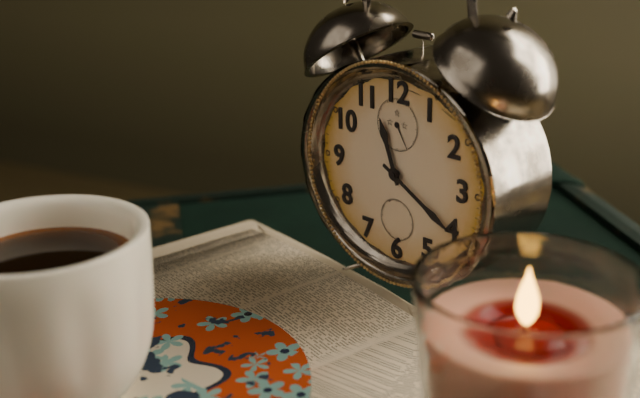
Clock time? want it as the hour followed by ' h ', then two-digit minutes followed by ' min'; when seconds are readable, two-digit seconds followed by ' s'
11 h 20 min
